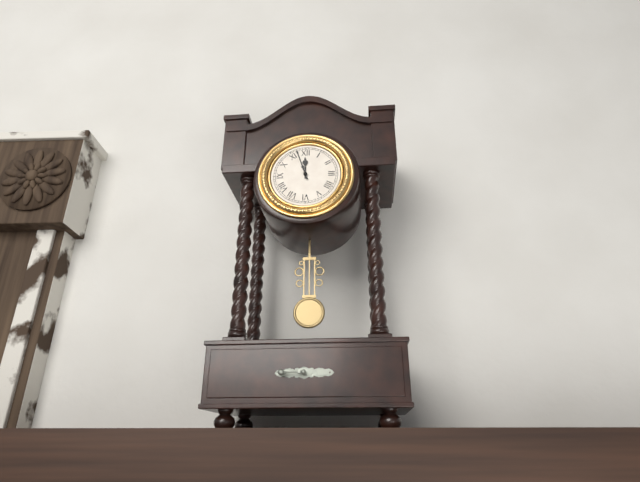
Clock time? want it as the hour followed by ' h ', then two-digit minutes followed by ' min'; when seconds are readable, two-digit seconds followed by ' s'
11 h 57 min
